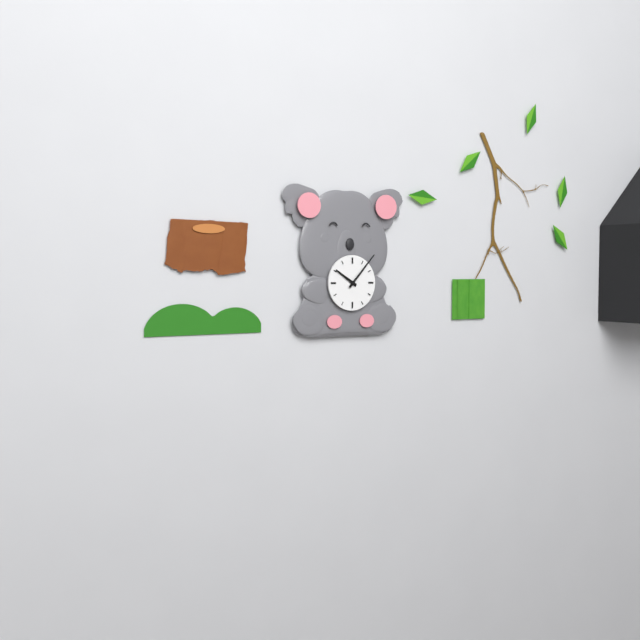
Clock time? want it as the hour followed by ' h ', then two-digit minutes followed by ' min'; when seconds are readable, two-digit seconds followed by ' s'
10 h 07 min
